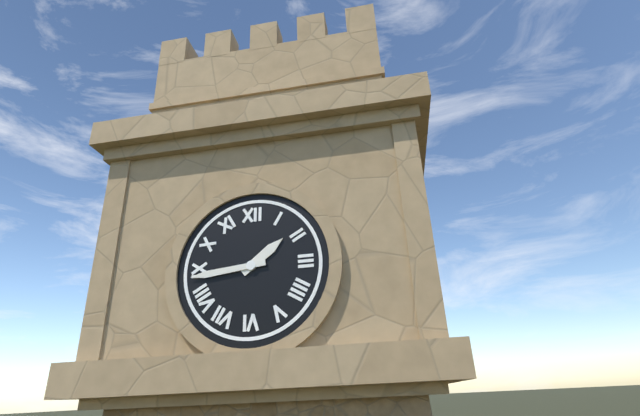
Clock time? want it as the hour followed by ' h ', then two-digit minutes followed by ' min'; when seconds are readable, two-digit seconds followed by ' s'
1 h 44 min
